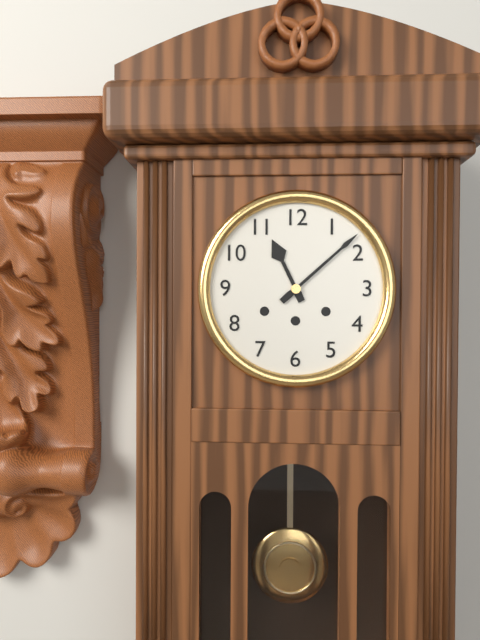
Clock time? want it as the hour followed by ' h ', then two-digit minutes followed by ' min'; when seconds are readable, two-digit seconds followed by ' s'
11 h 08 min
